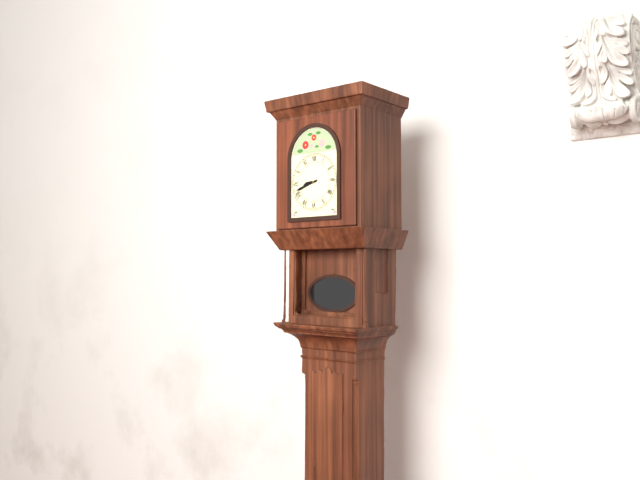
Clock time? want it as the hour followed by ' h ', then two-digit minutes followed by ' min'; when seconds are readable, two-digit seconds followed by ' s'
8 h 42 min
